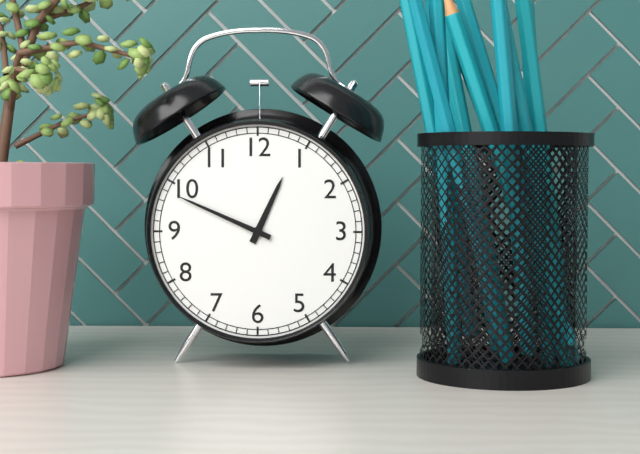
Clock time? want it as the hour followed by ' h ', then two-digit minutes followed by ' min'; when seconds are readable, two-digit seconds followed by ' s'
12 h 49 min
